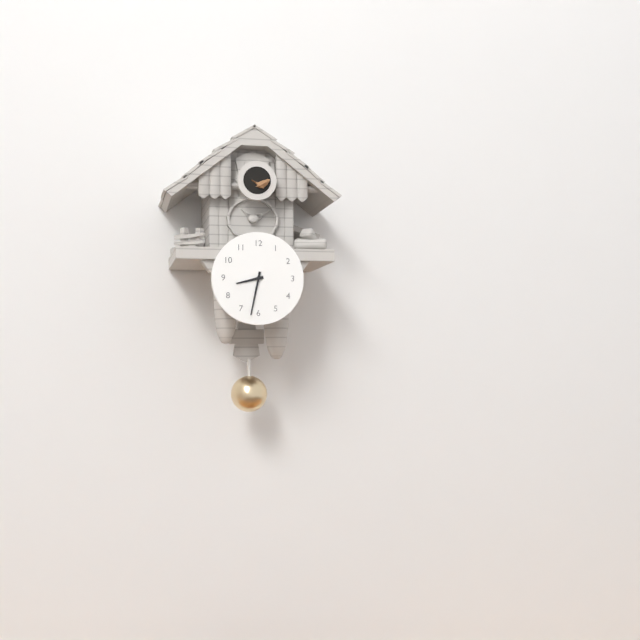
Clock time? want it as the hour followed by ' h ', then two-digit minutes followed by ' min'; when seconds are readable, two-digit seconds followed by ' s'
8 h 32 min
